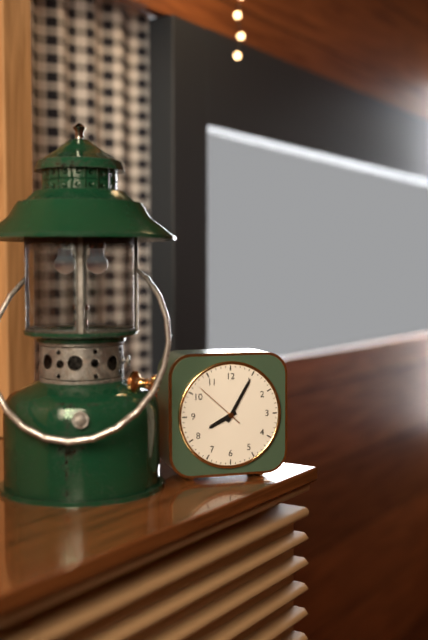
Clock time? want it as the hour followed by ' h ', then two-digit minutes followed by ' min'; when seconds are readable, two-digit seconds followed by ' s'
8 h 05 min
